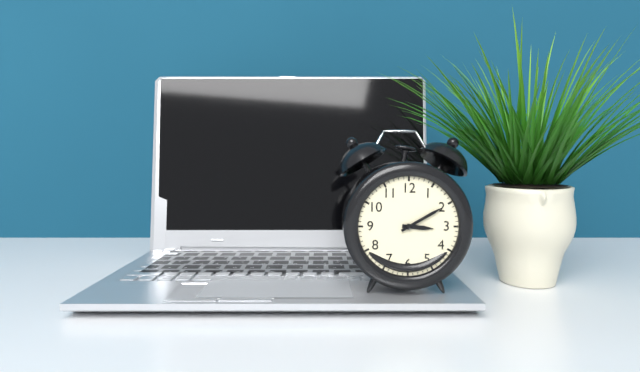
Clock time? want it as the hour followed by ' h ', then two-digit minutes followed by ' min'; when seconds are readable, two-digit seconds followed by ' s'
3 h 10 min
